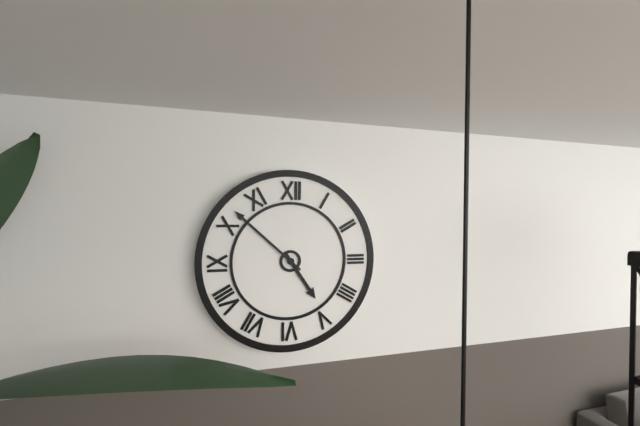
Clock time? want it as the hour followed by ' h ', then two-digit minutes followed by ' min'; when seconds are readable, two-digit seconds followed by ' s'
4 h 52 min
